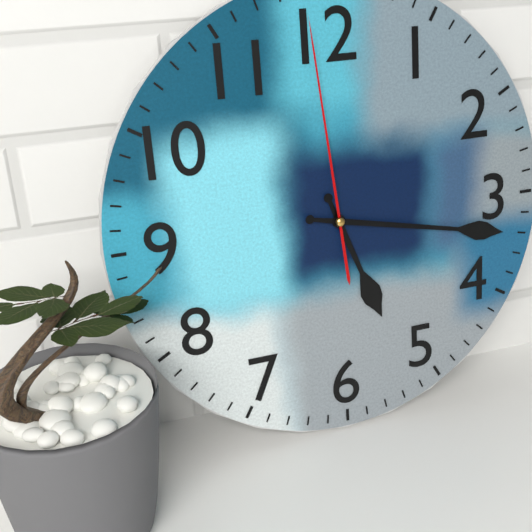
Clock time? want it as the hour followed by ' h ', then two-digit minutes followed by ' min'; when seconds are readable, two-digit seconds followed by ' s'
5 h 17 min 59 s
